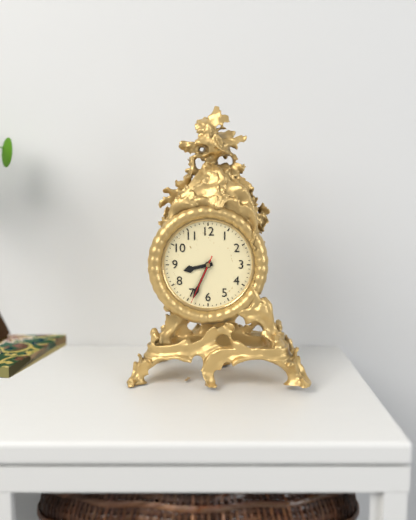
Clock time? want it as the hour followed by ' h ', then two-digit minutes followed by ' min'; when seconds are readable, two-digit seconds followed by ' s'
8 h 34 min 34 s
